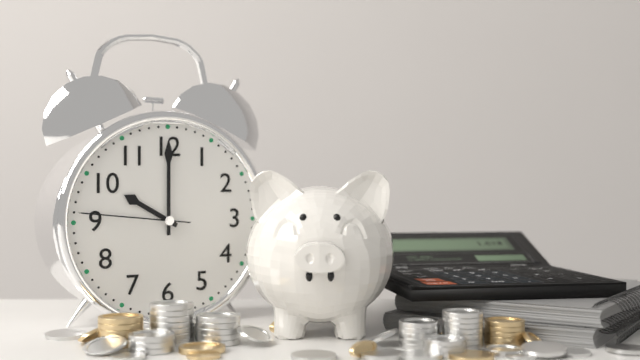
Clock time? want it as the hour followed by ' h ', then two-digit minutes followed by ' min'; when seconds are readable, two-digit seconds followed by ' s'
10 h 00 min 46 s
